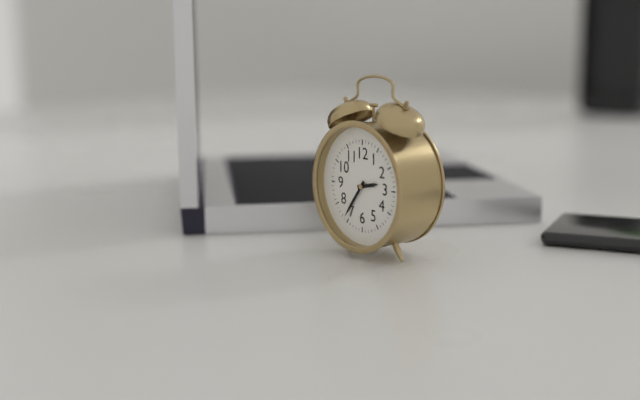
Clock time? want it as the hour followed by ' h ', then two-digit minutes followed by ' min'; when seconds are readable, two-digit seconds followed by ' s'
2 h 36 min
